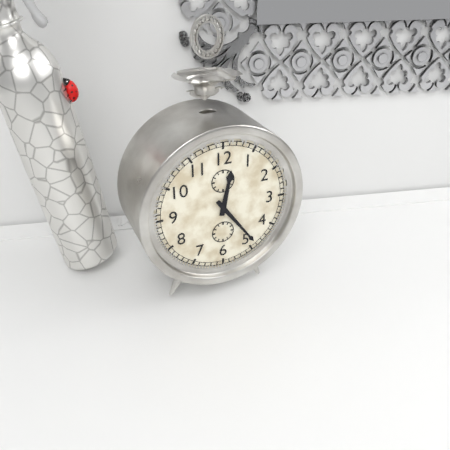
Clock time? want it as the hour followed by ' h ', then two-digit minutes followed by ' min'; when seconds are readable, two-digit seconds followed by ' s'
12 h 24 min
